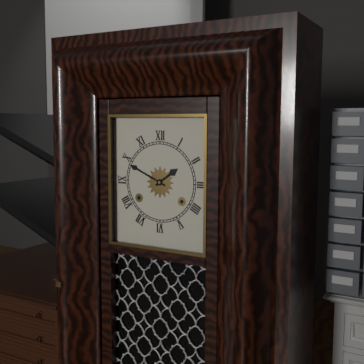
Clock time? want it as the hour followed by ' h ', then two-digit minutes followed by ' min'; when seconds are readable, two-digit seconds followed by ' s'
1 h 49 min
